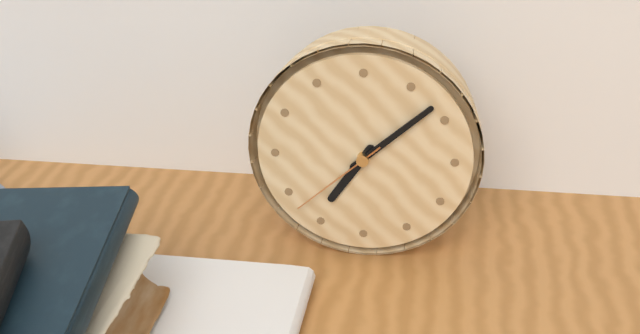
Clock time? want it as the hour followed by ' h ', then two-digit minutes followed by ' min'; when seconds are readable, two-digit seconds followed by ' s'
7 h 08 min 38 s
